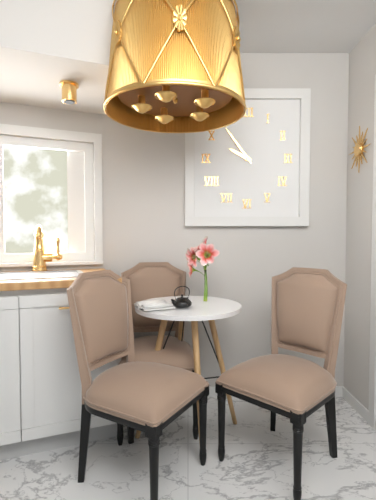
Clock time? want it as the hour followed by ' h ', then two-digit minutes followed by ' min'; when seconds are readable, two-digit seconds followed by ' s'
9 h 54 min
